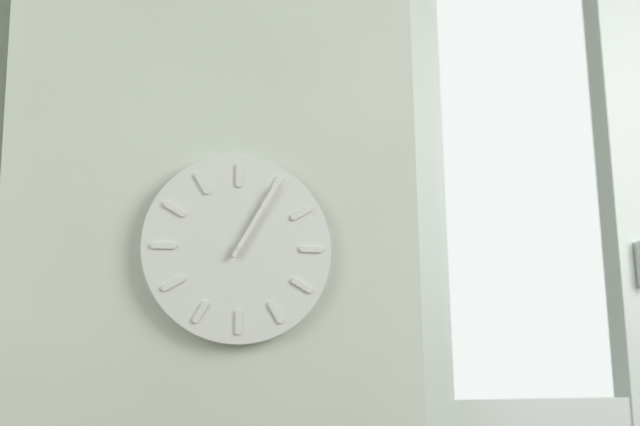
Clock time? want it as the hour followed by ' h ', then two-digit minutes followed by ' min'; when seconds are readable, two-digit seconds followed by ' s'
1 h 05 min
